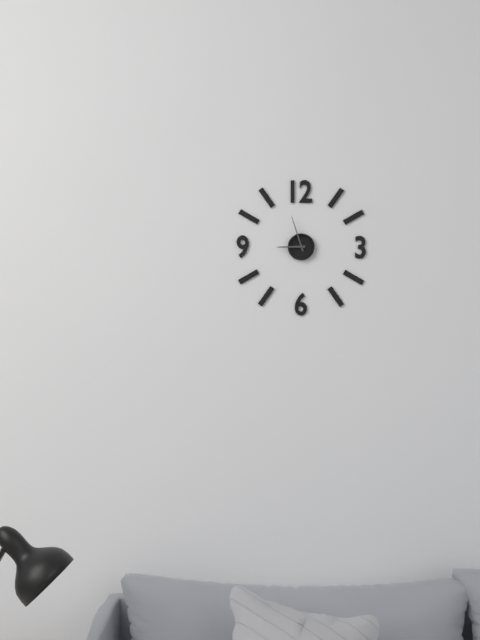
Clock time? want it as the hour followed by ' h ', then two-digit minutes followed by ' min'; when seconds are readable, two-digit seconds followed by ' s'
8 h 57 min
